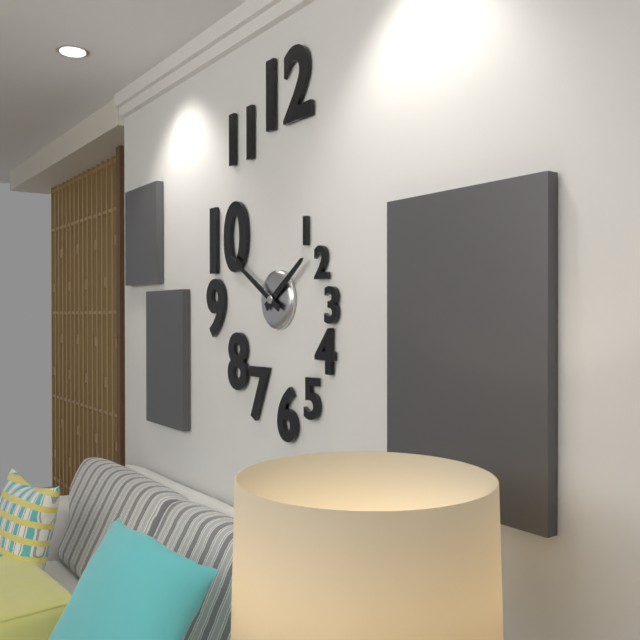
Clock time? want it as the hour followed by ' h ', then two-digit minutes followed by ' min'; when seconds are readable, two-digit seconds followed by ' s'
1 h 50 min
